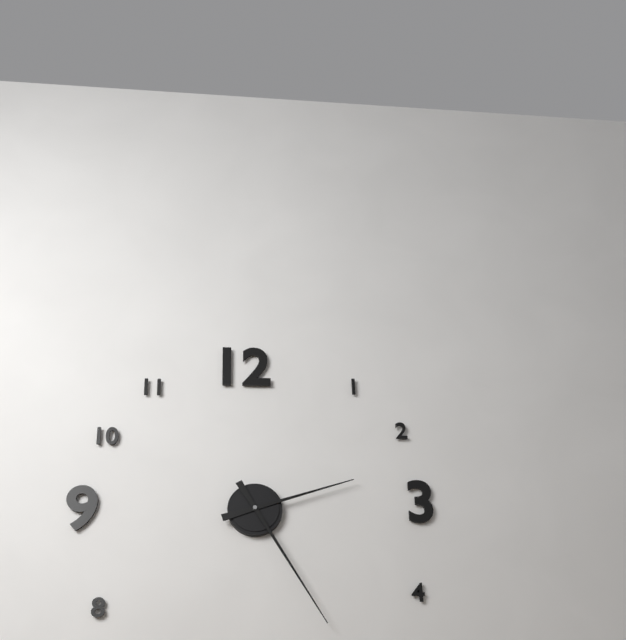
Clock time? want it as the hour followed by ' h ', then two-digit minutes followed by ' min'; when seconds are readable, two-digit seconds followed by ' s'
2 h 25 min
